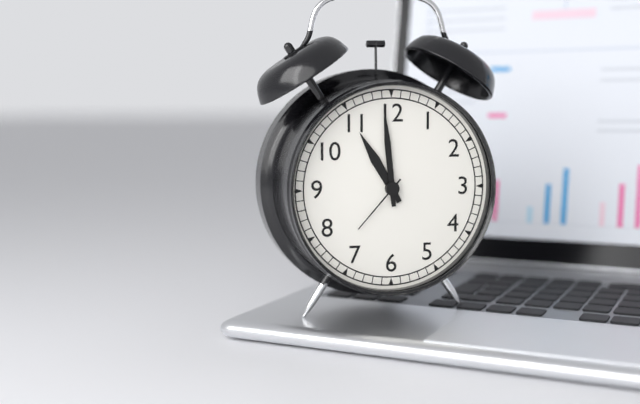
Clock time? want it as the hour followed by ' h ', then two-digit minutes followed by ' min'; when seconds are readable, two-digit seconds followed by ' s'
10 h 59 min 37 s
